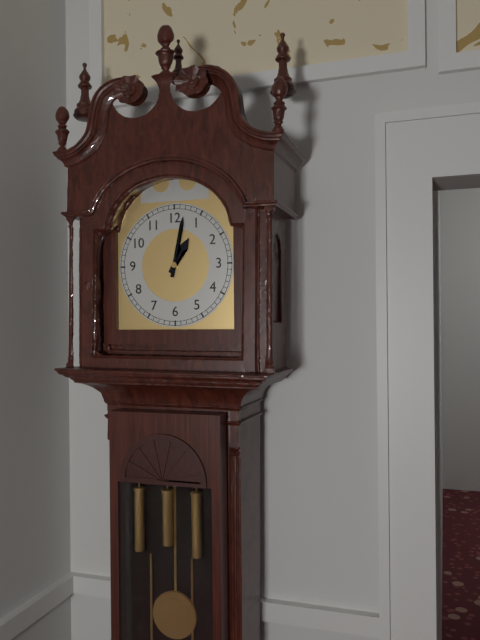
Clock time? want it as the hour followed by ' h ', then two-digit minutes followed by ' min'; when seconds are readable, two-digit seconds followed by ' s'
1 h 02 min
